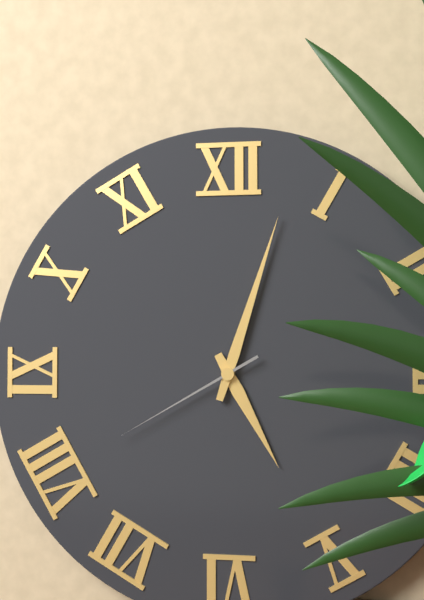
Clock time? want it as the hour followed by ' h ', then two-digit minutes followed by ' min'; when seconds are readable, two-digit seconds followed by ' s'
5 h 03 min 40 s
